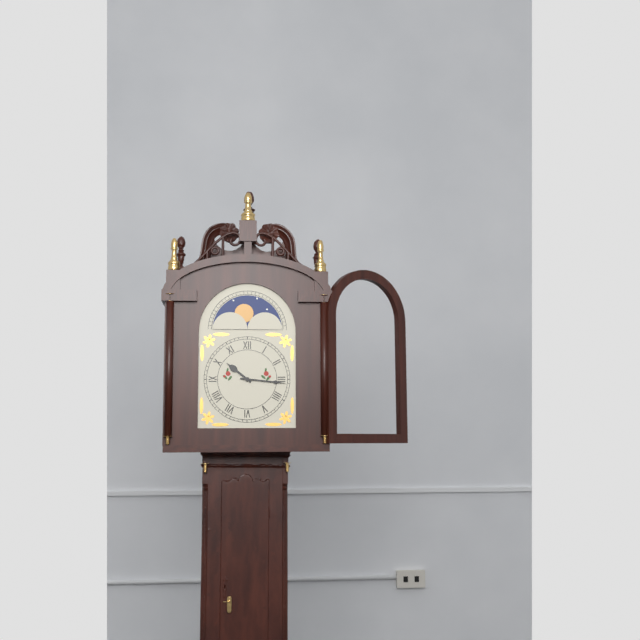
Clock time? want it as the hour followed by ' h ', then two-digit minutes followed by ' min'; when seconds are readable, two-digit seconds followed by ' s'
10 h 16 min
